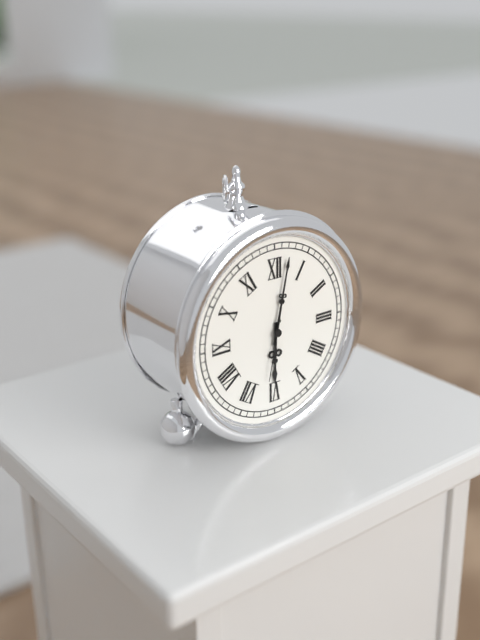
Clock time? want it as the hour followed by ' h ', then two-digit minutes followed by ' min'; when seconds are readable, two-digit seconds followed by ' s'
6 h 02 min 32 s
